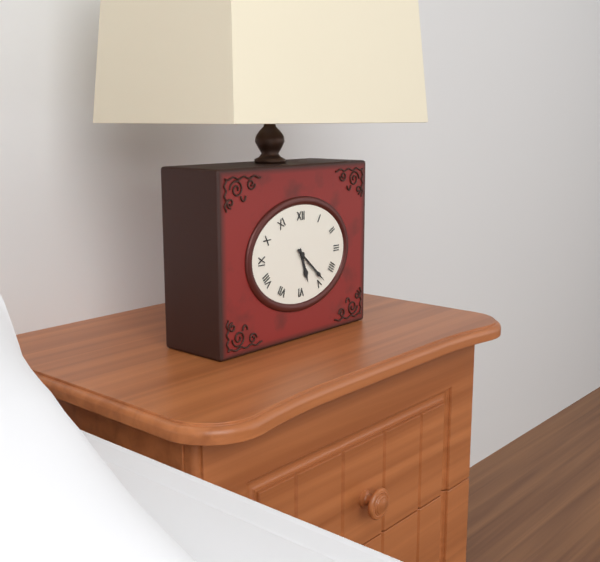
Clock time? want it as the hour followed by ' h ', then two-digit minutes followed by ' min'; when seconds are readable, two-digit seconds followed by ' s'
5 h 22 min
